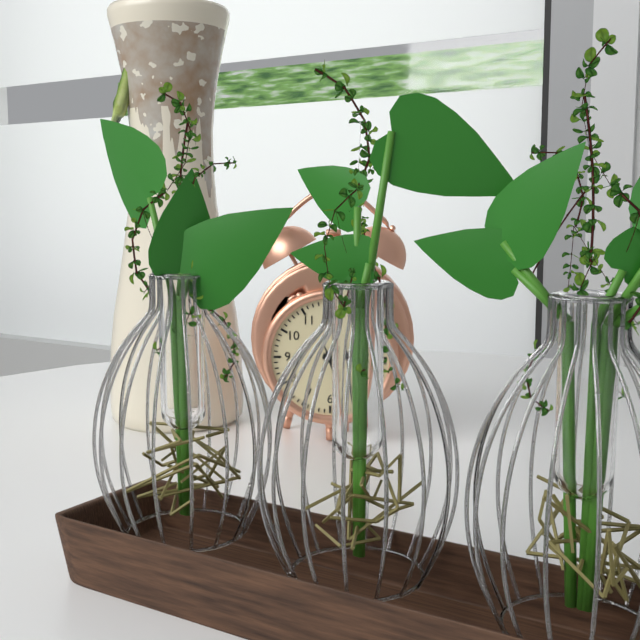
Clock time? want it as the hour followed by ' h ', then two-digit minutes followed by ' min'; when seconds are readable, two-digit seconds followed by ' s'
3 h 27 min 26 s
